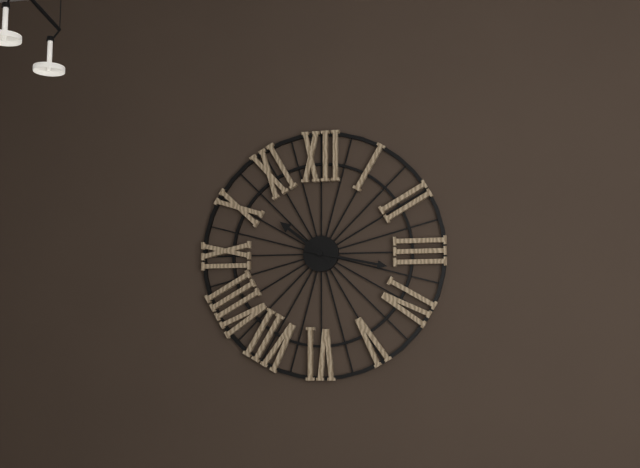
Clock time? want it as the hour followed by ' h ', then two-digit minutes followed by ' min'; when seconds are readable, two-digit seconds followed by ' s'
10 h 17 min
